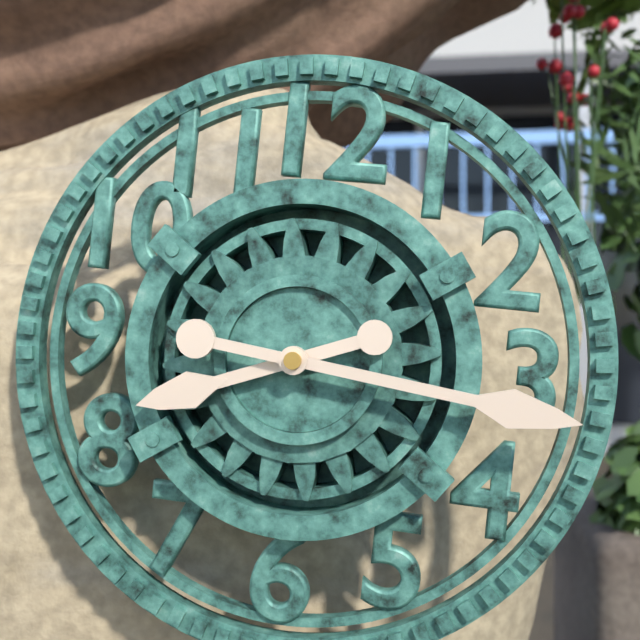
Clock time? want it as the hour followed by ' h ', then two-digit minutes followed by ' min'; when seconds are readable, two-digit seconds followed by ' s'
8 h 16 min
